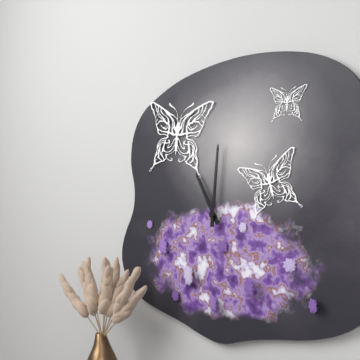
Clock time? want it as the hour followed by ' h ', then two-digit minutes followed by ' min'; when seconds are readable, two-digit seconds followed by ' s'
11 h 01 min
